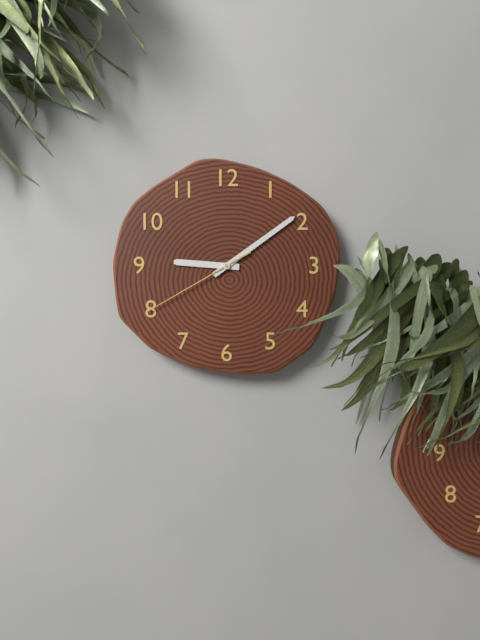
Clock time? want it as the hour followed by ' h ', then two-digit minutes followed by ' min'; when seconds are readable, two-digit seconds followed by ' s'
9 h 09 min 40 s
